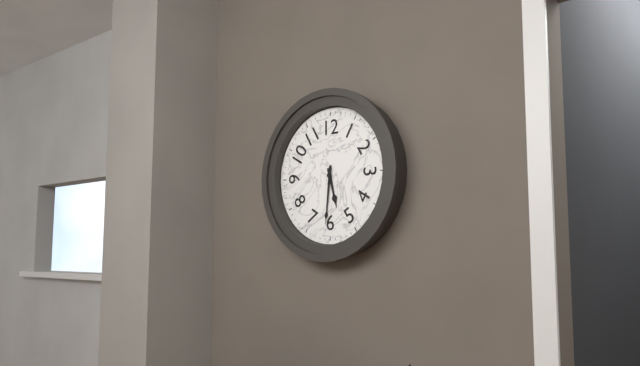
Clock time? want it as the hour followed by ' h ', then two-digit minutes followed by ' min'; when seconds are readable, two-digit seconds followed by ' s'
5 h 31 min
